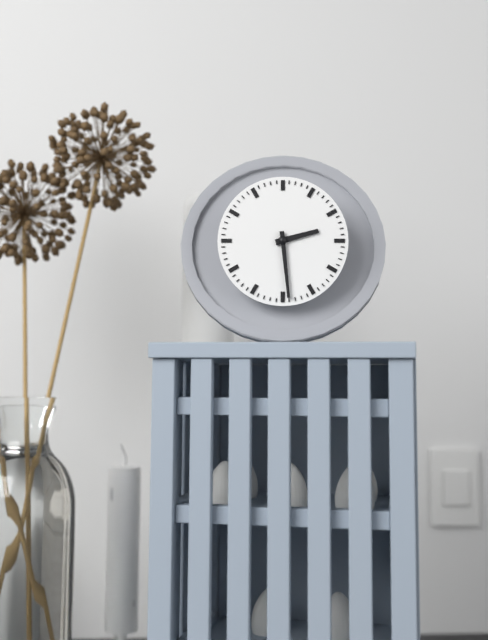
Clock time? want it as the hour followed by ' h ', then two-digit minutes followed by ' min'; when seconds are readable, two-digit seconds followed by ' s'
2 h 29 min
